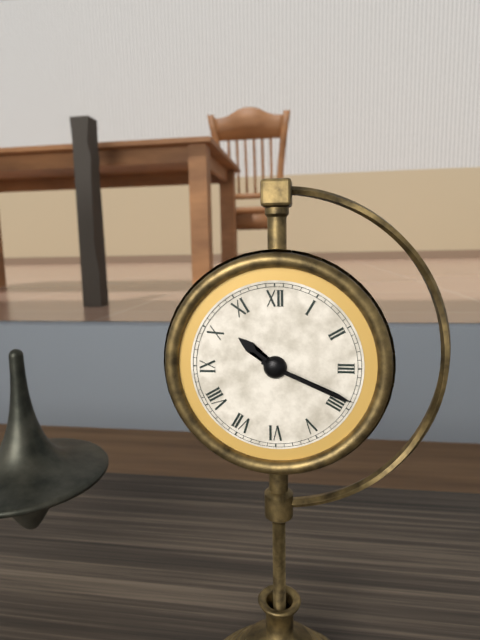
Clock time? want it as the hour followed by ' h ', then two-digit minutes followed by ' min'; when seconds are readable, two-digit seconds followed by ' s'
10 h 19 min
